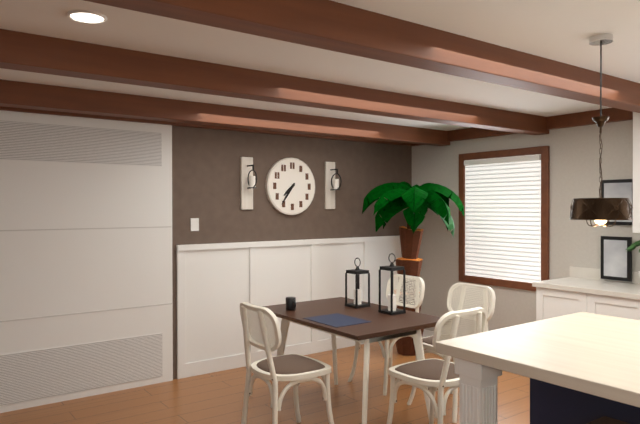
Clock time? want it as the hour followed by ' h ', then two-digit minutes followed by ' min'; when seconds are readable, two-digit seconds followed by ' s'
7 h 36 min
